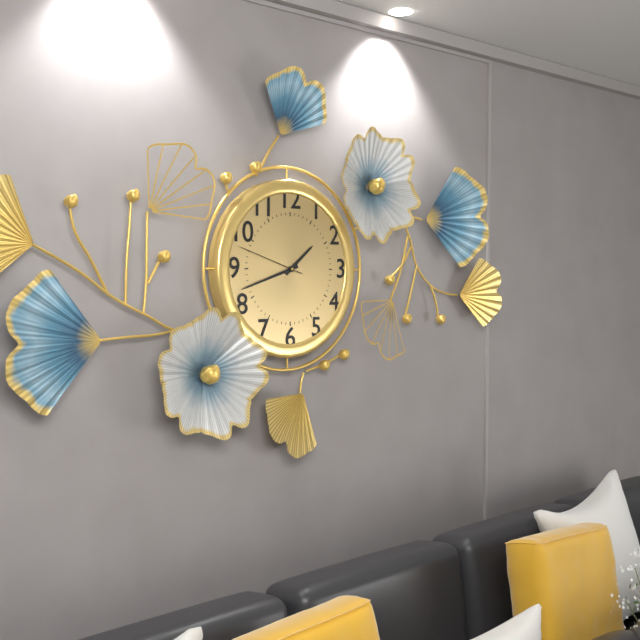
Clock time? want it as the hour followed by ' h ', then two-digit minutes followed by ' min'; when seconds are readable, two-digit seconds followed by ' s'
1 h 42 min 48 s
